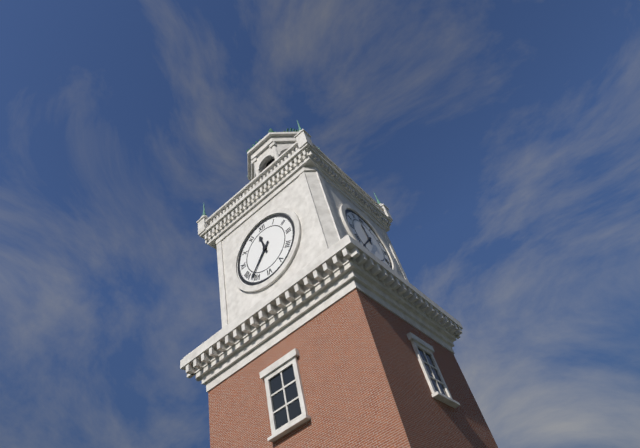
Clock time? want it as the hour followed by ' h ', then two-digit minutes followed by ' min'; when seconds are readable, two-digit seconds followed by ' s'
11 h 37 min
